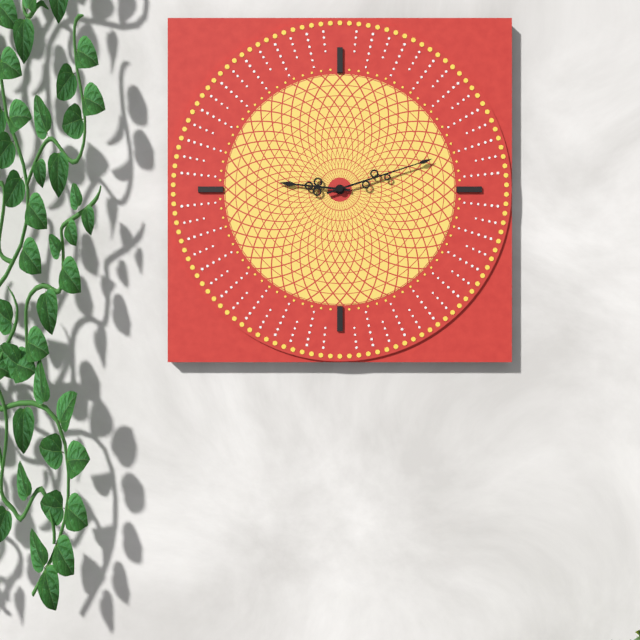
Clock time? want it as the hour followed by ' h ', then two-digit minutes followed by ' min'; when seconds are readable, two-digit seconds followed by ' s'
9 h 12 min
